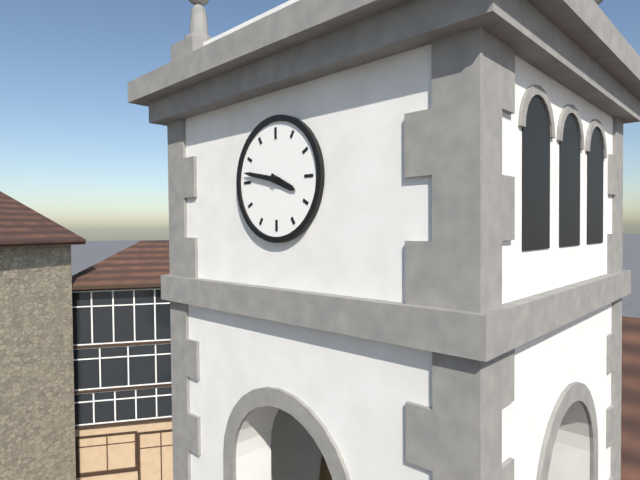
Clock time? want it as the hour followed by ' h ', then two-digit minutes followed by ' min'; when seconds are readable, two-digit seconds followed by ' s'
3 h 47 min
